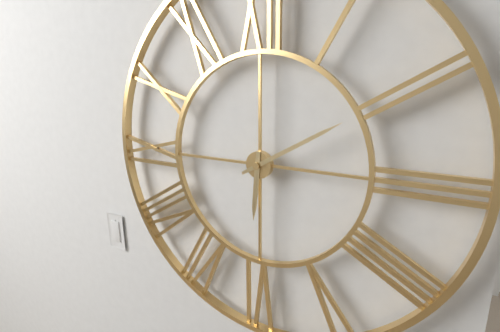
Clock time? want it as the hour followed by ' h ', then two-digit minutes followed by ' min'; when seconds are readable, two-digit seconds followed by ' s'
6 h 10 min
